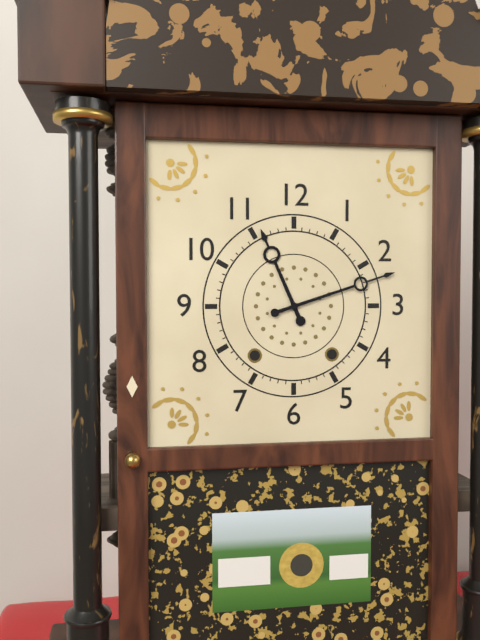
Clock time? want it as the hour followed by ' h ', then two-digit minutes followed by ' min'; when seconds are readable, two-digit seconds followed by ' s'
11 h 12 min
